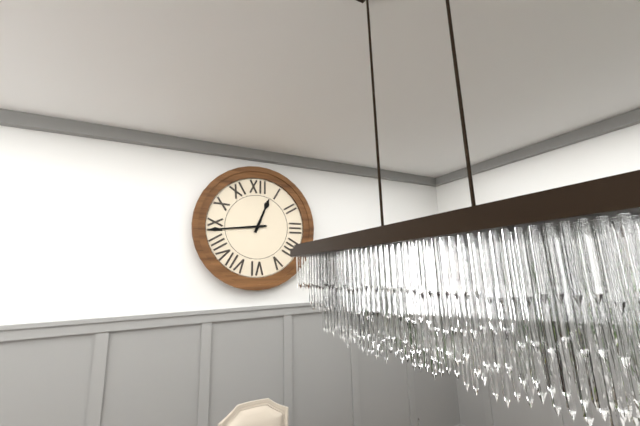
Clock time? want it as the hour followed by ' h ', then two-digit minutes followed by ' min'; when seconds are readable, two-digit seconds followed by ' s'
12 h 44 min
